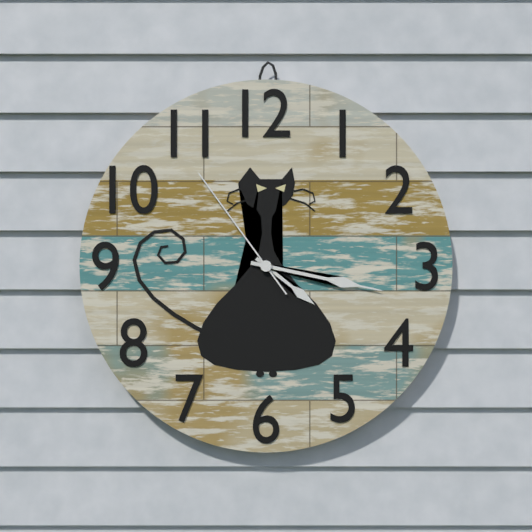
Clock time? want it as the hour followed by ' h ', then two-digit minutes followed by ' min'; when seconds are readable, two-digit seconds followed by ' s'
4 h 17 min 54 s
